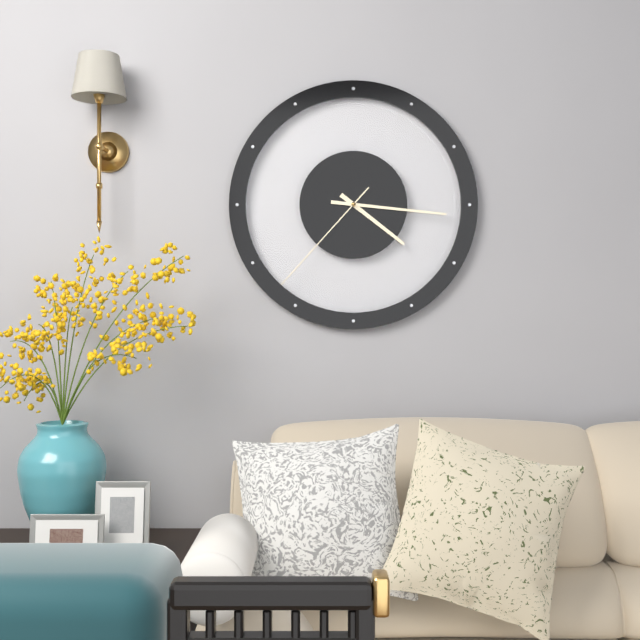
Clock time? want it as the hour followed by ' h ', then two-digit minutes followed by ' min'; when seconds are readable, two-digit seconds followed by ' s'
4 h 16 min 37 s
